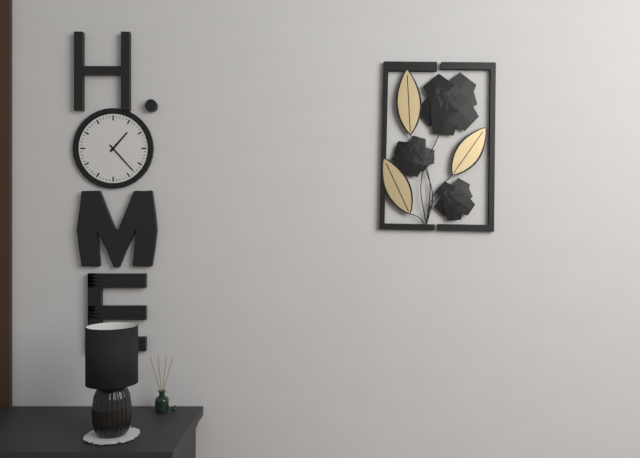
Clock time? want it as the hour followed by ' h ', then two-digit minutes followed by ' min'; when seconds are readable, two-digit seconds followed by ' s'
1 h 23 min
